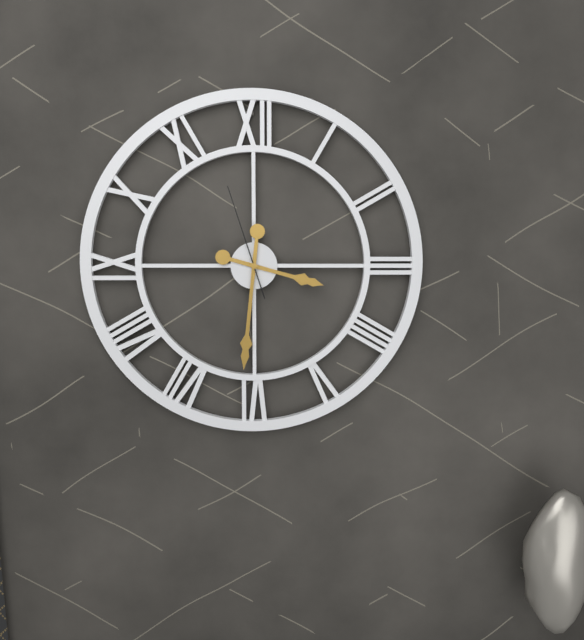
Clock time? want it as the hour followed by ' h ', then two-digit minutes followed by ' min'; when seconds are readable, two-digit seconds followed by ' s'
3 h 31 min 57 s
